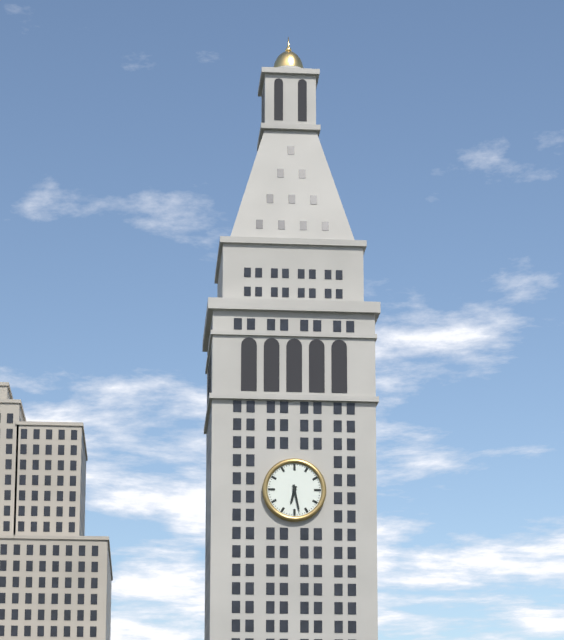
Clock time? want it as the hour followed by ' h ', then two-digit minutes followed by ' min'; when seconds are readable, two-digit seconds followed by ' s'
6 h 28 min
